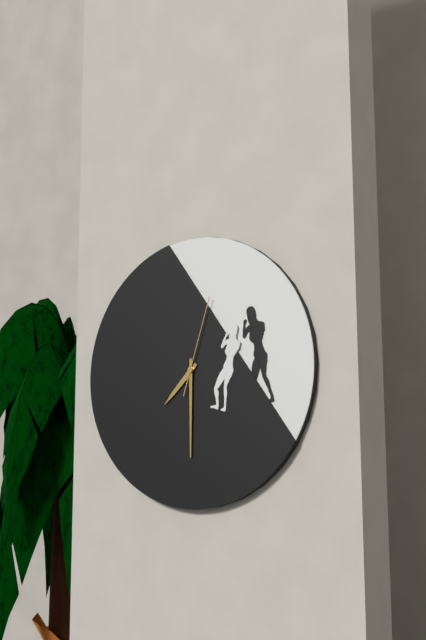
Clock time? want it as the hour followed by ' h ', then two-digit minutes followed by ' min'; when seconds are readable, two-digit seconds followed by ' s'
7 h 30 min 03 s
